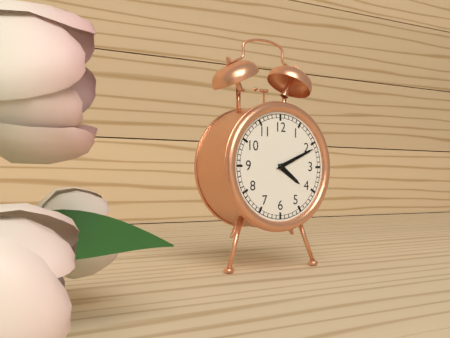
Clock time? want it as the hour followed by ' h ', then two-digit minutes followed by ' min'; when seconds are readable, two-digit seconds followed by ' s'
4 h 11 min
